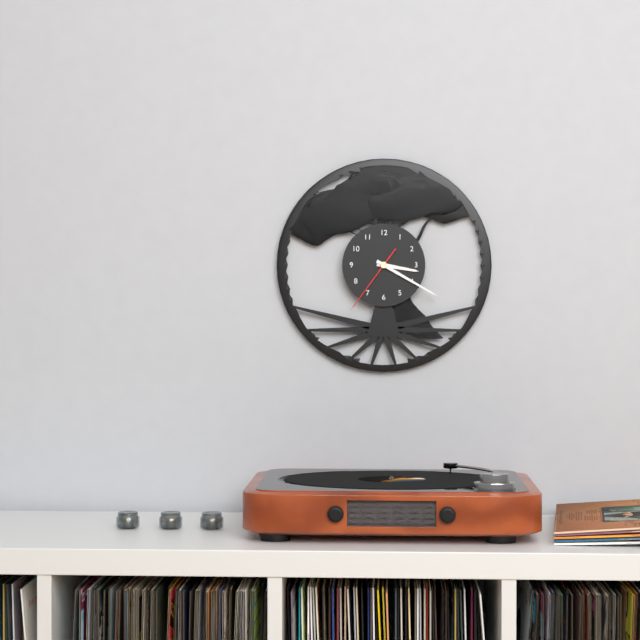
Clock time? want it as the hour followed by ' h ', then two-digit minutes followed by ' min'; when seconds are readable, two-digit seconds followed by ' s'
3 h 20 min 36 s
